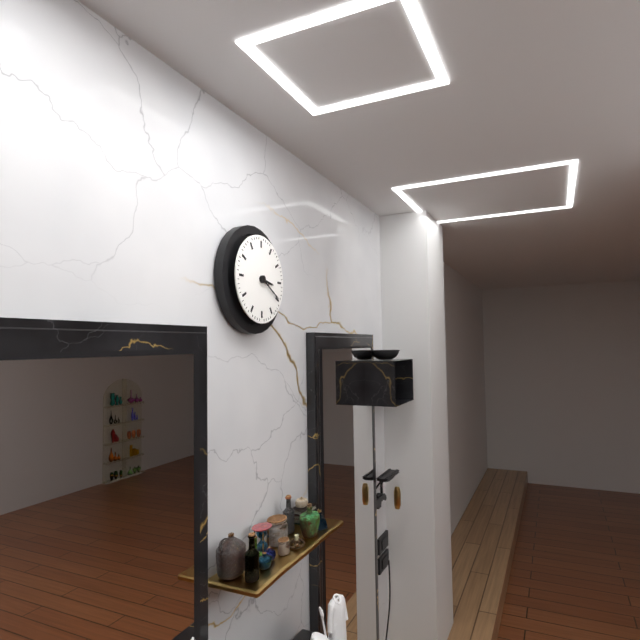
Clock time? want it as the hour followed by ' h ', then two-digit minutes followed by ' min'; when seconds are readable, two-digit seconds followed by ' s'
3 h 20 min
